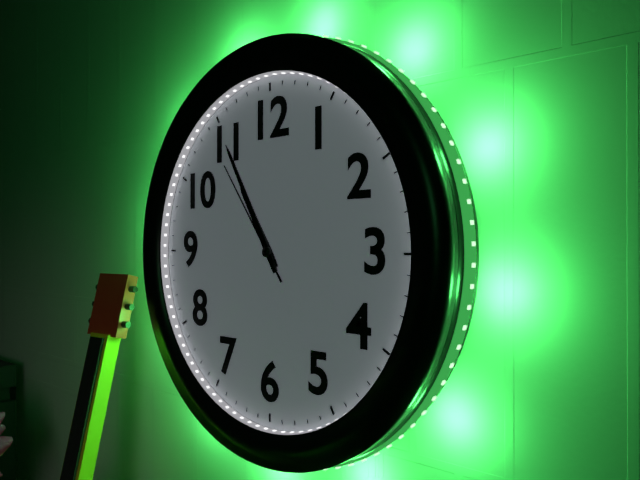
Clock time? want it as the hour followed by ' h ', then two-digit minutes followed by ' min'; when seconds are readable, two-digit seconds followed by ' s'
10 h 55 min 54 s
